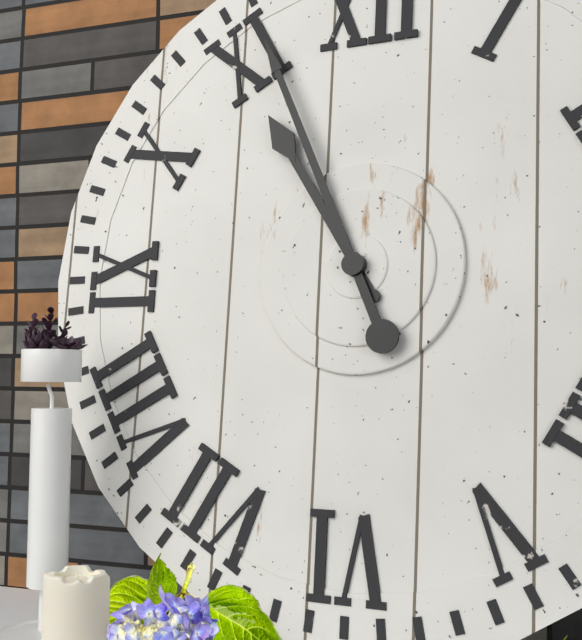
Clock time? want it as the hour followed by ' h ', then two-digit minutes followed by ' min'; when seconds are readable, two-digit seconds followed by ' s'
10 h 56 min
